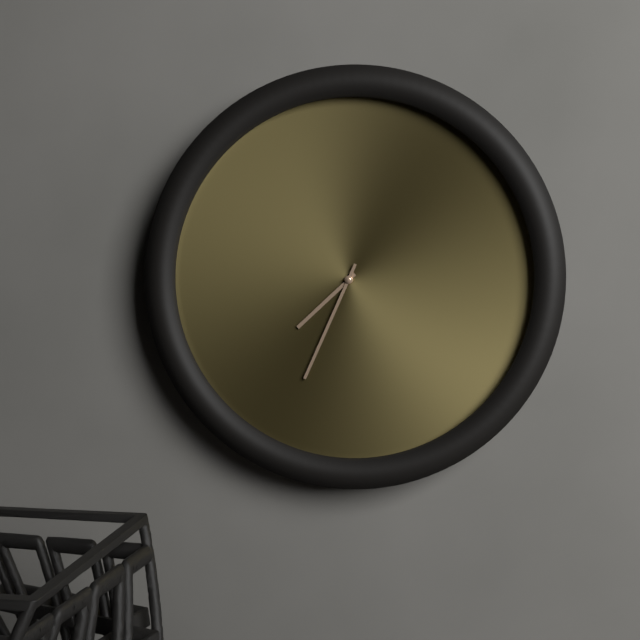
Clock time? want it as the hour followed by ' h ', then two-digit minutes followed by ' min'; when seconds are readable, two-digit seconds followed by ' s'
7 h 34 min
